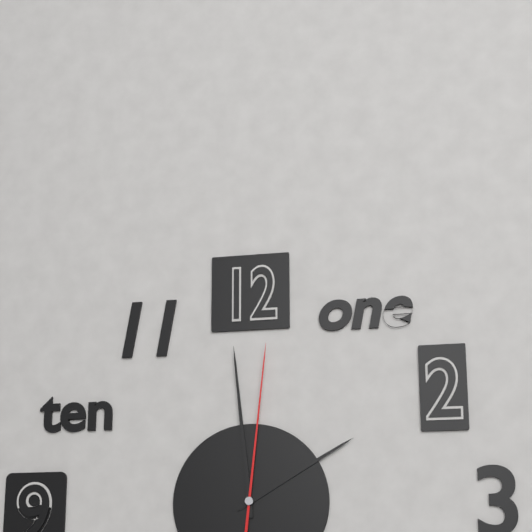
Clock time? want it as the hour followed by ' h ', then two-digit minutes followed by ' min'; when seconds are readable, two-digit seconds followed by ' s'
1 h 59 min 01 s
